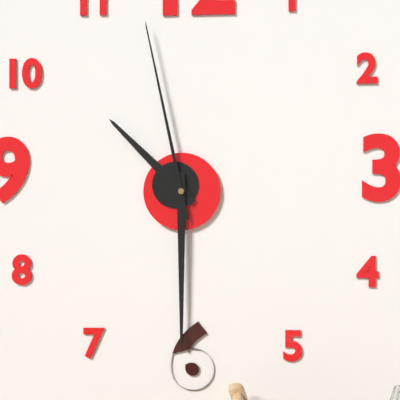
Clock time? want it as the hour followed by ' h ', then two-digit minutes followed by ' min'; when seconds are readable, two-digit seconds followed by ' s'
10 h 30 min 58 s
